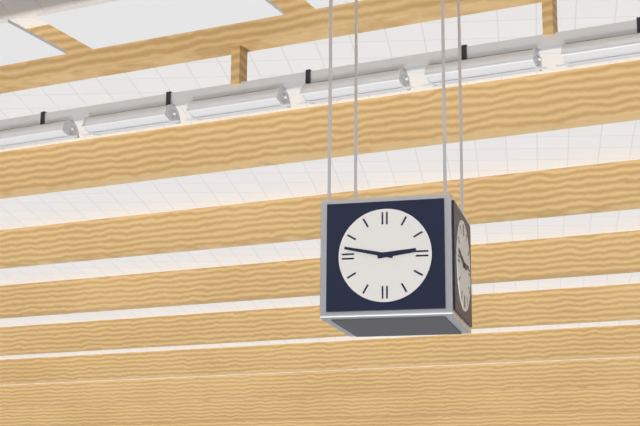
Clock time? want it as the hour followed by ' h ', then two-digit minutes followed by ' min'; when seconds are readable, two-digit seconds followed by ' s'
2 h 47 min
